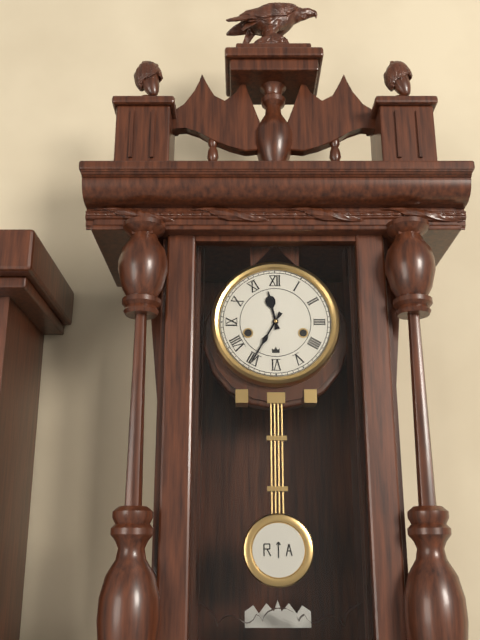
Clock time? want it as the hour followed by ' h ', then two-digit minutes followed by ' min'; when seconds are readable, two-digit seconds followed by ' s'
11 h 35 min
